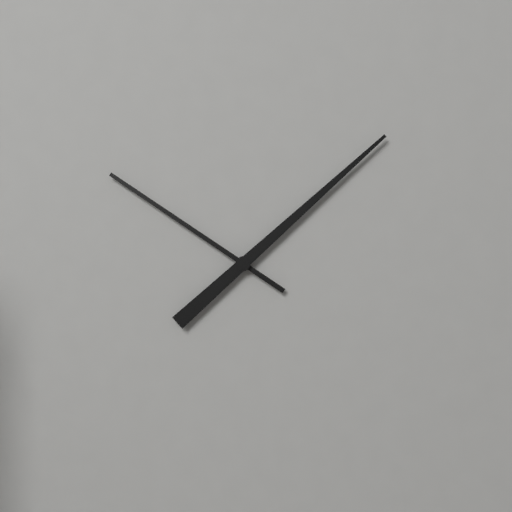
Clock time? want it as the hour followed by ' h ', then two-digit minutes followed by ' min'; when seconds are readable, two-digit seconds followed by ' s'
10 h 08 min
